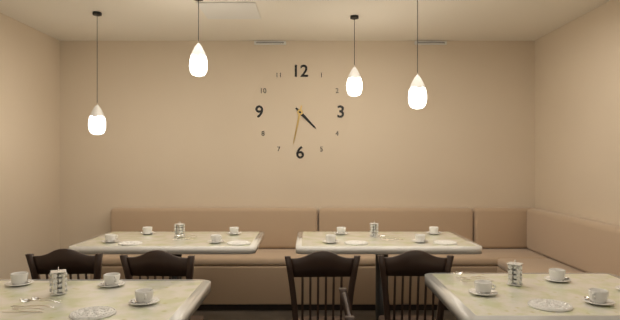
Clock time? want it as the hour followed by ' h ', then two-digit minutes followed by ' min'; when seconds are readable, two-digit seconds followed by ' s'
4 h 32 min
